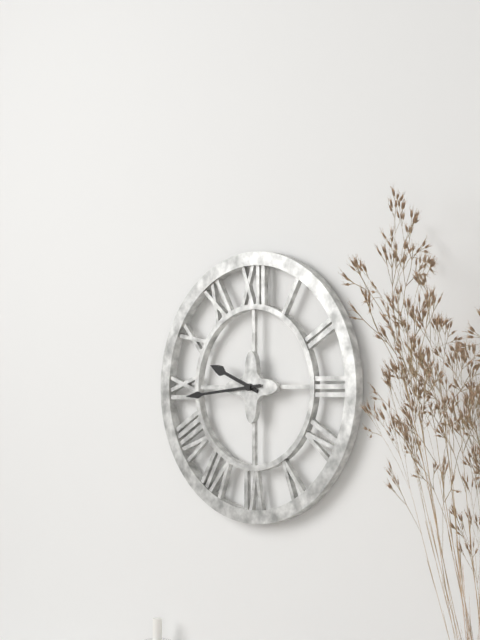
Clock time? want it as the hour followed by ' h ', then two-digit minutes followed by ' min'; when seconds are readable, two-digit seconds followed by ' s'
9 h 44 min
